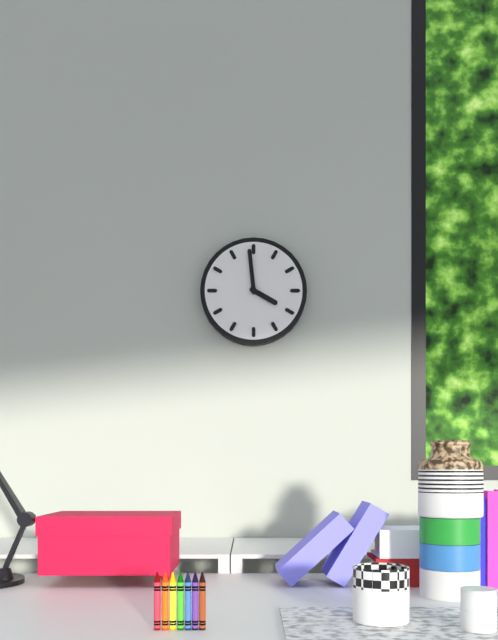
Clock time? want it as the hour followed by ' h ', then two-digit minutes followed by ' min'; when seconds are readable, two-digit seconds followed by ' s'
3 h 59 min
